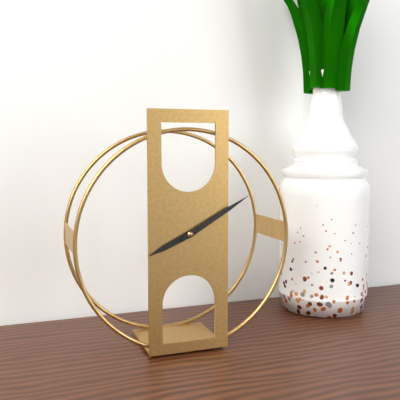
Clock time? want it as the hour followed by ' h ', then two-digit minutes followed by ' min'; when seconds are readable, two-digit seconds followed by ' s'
8 h 10 min
